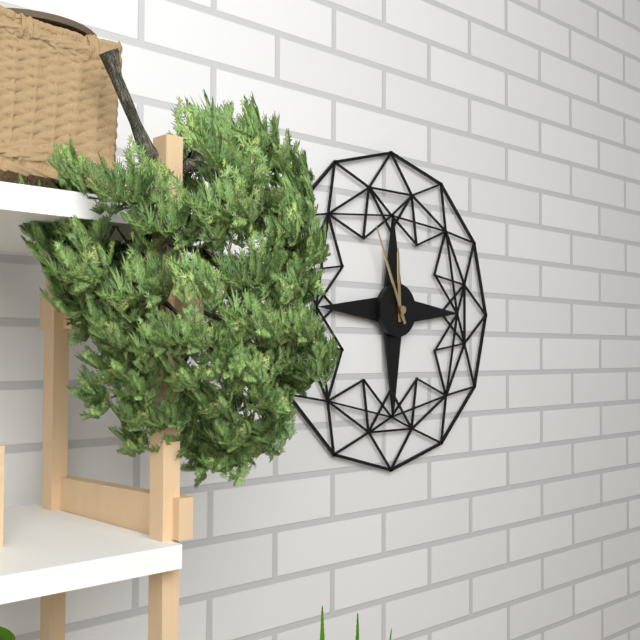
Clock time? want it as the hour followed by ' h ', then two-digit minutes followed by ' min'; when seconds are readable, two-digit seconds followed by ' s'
11 h 56 min
